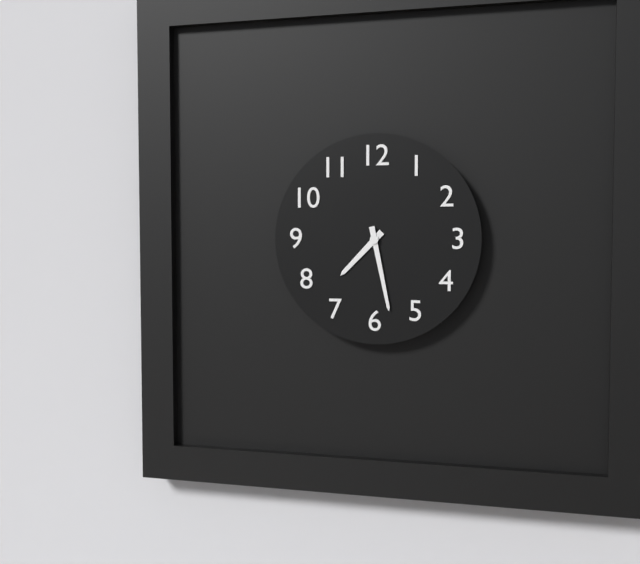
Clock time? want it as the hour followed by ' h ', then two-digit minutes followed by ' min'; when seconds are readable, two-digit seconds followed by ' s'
7 h 28 min
